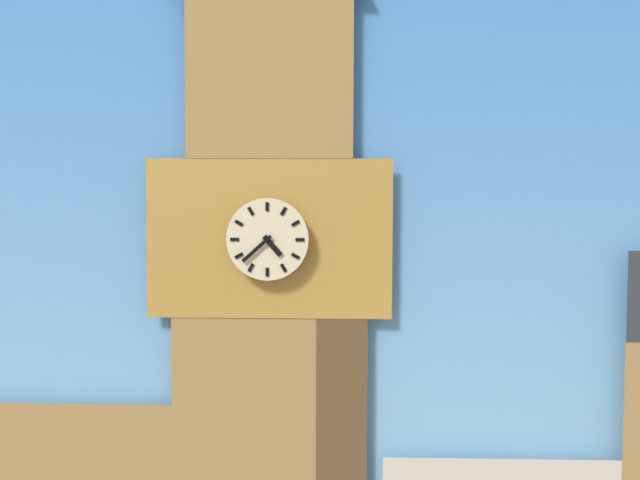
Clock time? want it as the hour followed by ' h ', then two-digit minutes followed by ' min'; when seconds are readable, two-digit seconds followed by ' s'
4 h 38 min
